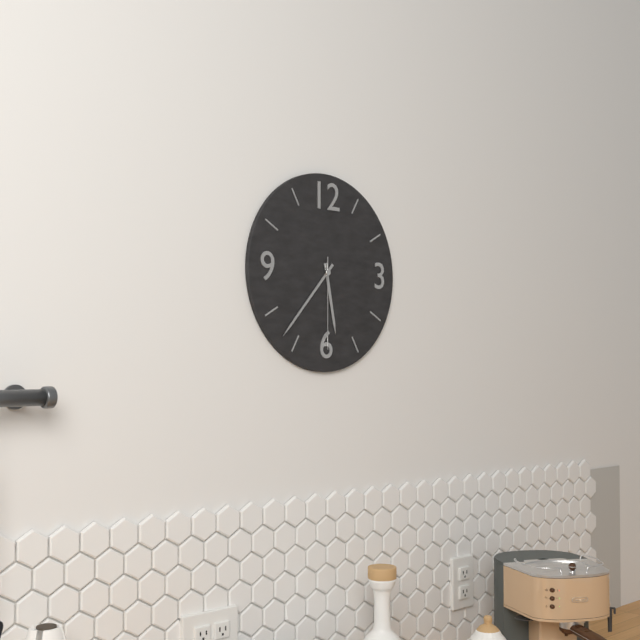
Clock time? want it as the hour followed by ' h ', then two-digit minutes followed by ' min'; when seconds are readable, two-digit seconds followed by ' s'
5 h 37 min 30 s
